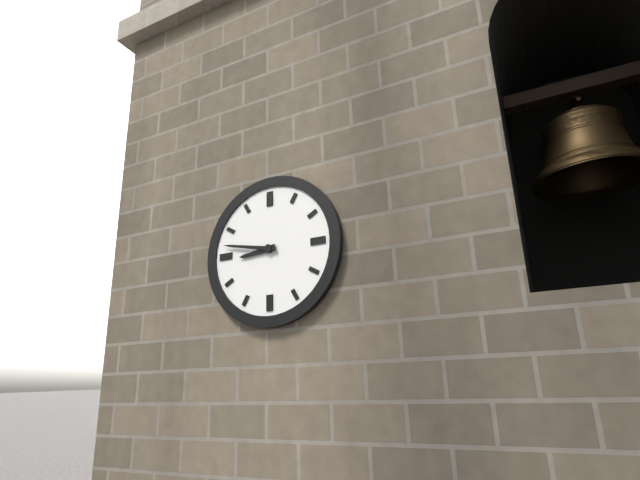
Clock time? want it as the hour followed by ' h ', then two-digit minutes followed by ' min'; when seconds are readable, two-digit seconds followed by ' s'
8 h 47 min
